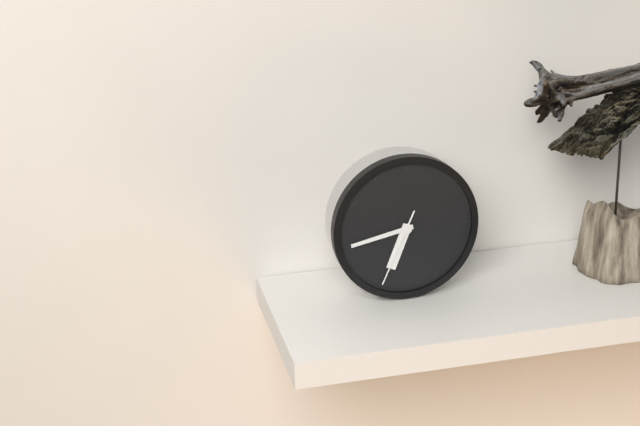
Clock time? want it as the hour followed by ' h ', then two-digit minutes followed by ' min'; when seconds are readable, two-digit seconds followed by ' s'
6 h 43 min 34 s
